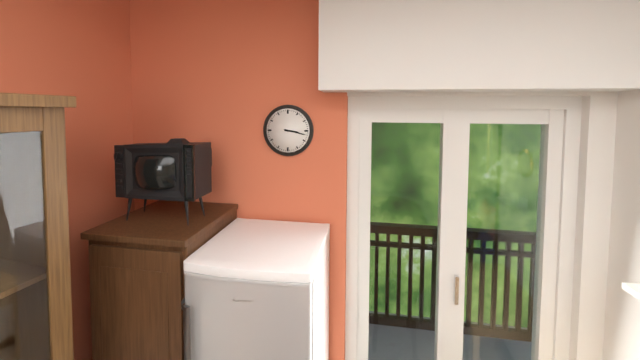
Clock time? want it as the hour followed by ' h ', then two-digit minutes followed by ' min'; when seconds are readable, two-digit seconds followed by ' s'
3 h 17 min
